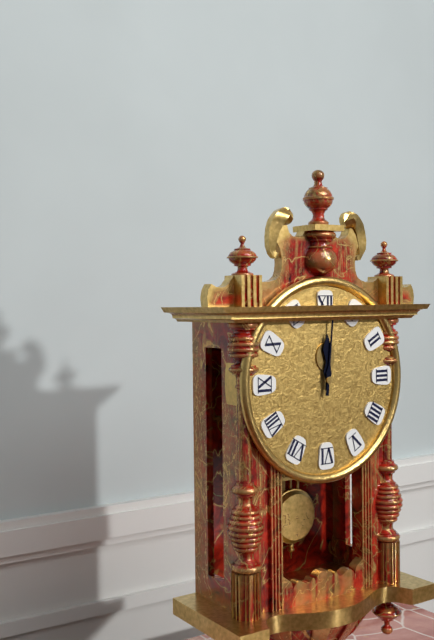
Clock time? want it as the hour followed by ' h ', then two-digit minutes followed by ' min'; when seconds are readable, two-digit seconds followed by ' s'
12 h 01 min
